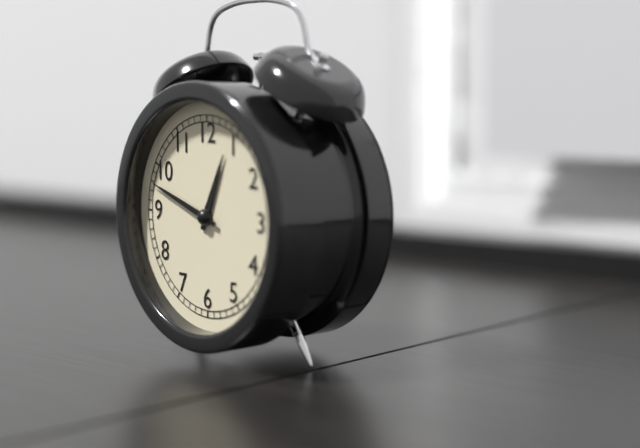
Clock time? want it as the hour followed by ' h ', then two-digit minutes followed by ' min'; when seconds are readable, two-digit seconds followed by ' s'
12 h 48 min
